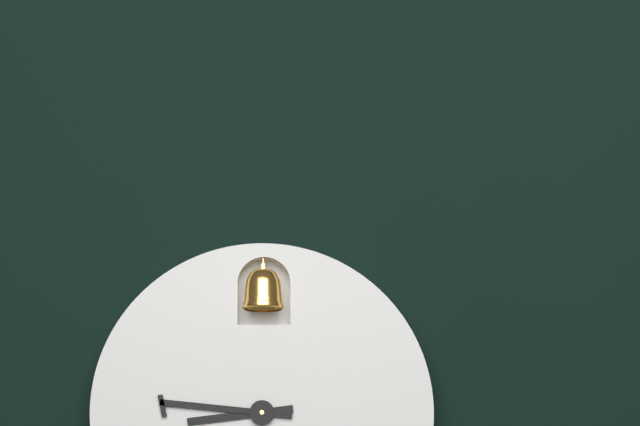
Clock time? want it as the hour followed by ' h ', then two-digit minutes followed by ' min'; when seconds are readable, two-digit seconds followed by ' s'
8 h 46 min
